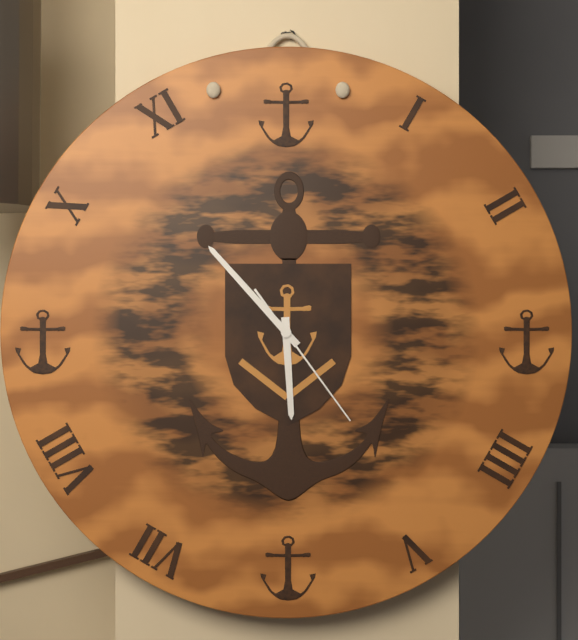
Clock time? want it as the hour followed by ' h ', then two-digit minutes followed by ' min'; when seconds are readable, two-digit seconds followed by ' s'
5 h 53 min 24 s
